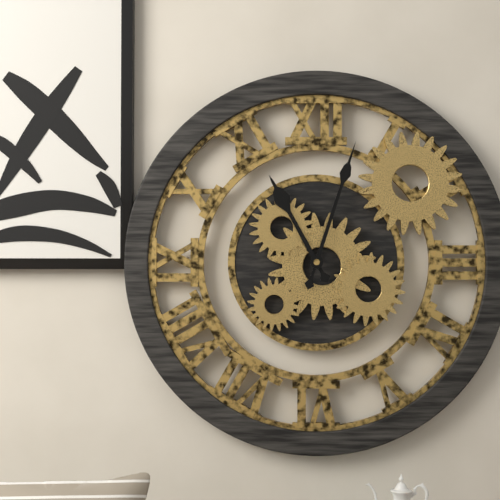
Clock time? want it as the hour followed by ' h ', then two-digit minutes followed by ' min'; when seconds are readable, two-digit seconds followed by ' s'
11 h 03 min
